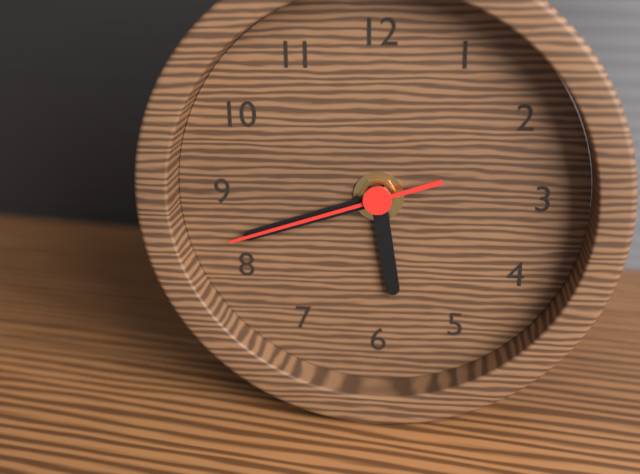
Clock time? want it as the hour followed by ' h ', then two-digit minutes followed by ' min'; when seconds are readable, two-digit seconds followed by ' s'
5 h 42 min 42 s
